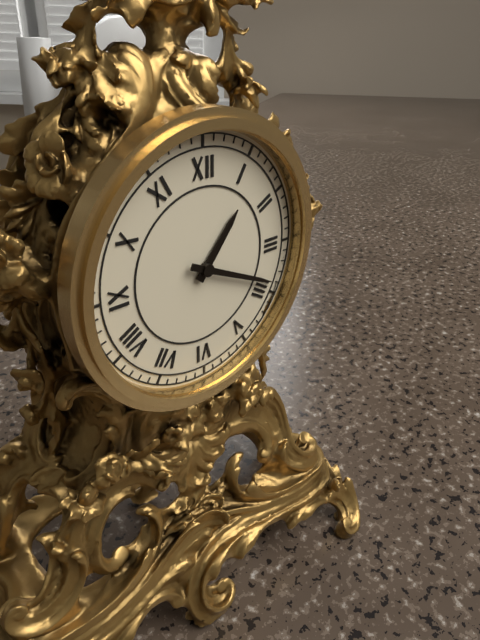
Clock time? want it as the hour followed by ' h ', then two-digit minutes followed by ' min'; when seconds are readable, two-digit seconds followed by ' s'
1 h 19 min
